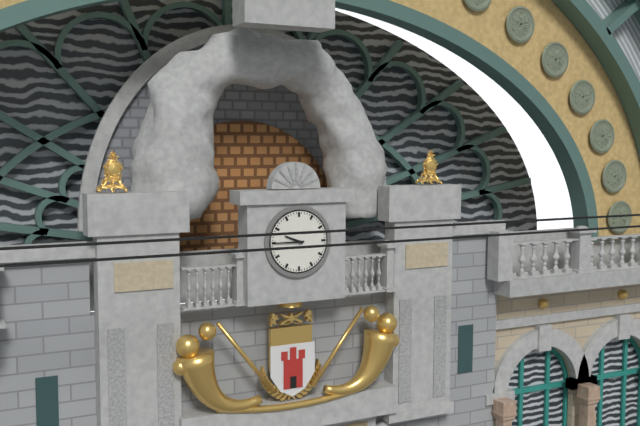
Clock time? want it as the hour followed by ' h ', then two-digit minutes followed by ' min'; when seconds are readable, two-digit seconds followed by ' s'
9 h 45 min
